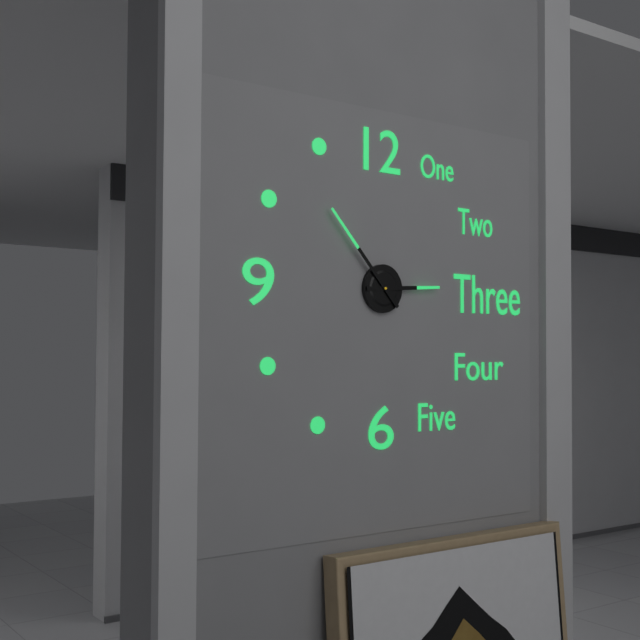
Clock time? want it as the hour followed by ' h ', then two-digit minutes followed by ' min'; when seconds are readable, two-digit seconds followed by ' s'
2 h 53 min
